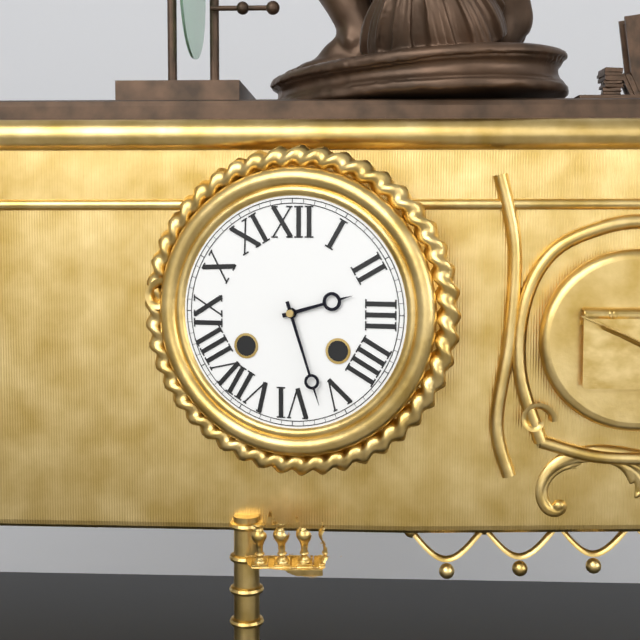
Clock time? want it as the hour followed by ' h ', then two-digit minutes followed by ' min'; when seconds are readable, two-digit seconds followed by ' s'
2 h 27 min
